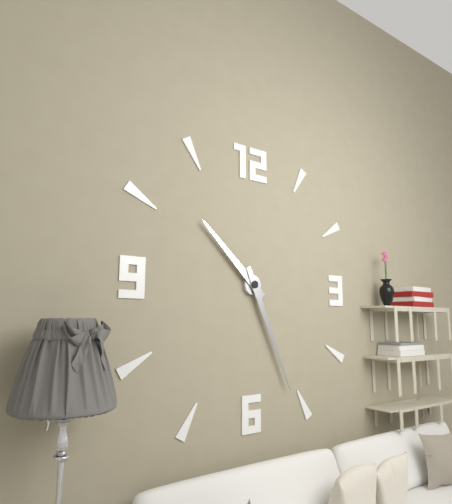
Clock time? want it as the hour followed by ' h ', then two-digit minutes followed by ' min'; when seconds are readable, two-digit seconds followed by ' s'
10 h 26 min
